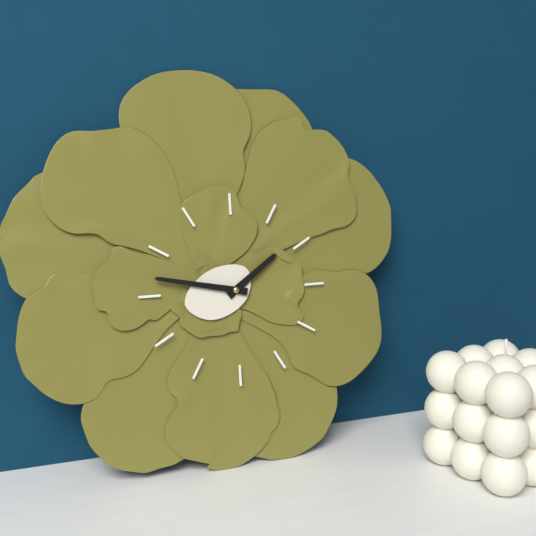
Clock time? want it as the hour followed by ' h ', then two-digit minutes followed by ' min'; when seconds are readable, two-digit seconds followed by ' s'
1 h 47 min
